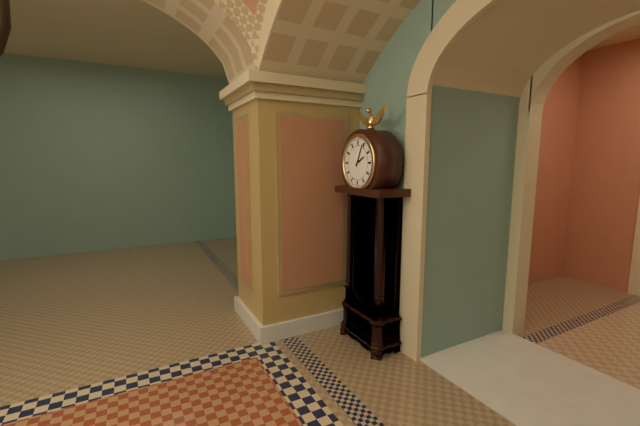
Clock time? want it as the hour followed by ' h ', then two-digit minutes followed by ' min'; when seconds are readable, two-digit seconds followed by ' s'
2 h 04 min
